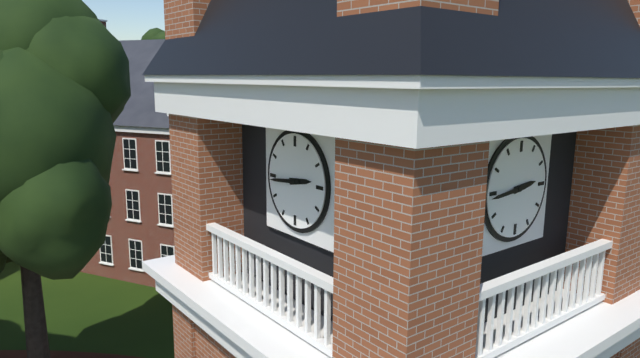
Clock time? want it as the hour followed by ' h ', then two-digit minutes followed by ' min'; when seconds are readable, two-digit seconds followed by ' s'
2 h 44 min
